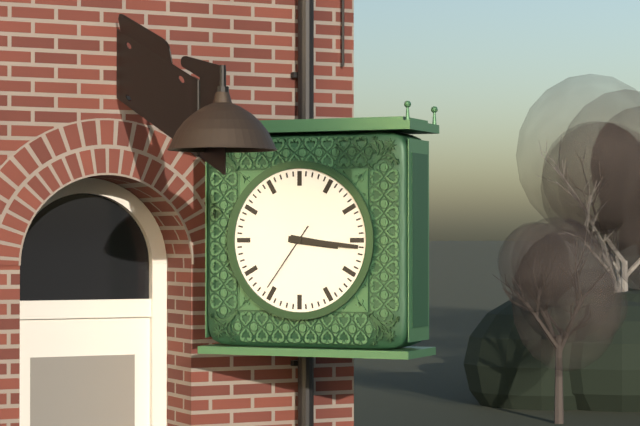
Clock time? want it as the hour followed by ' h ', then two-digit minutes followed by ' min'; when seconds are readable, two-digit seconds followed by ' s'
3 h 16 min 36 s
